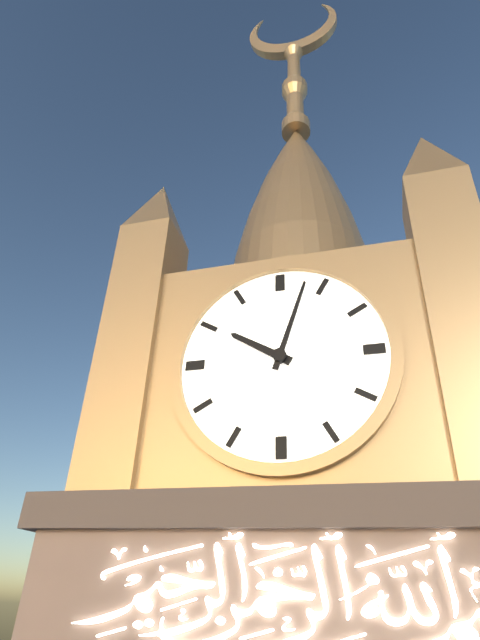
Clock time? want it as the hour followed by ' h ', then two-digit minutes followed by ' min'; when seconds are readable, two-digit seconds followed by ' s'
10 h 03 min
